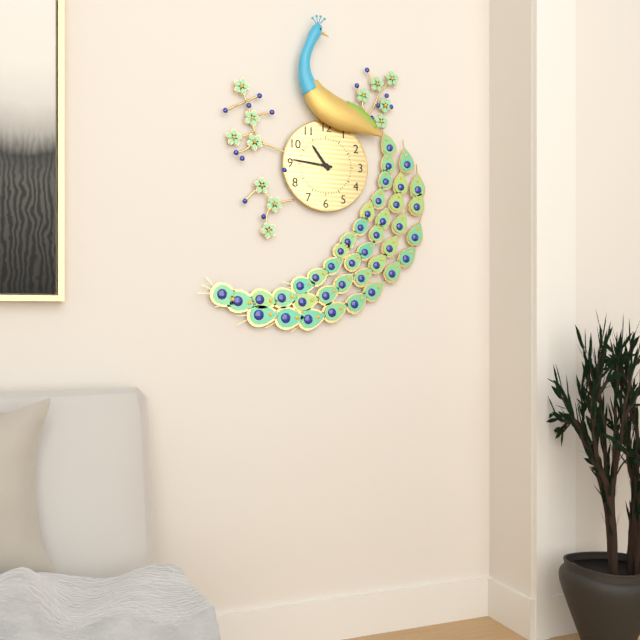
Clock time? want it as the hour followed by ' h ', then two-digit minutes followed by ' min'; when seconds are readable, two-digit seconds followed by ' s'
10 h 46 min
